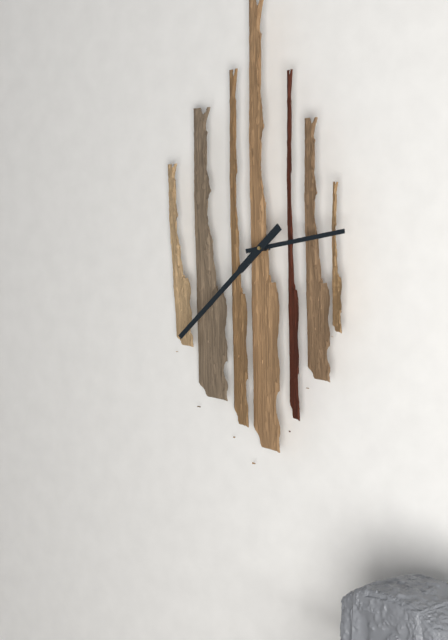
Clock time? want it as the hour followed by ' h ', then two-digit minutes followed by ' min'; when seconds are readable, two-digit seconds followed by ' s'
2 h 38 min
